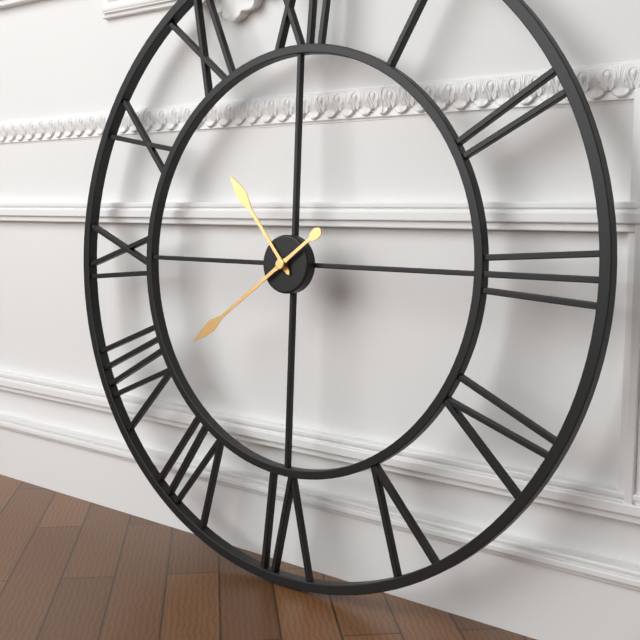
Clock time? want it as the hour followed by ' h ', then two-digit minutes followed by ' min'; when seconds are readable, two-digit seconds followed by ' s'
10 h 39 min
